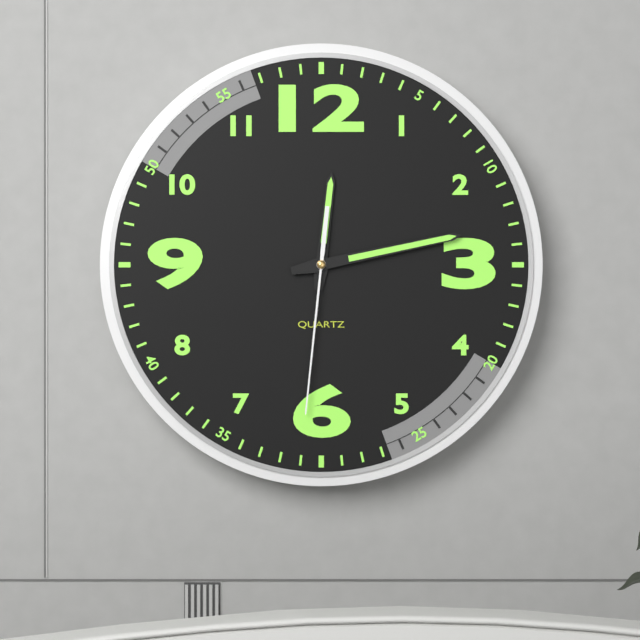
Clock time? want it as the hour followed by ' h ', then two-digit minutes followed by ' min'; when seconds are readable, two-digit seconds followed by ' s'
12 h 13 min 31 s
